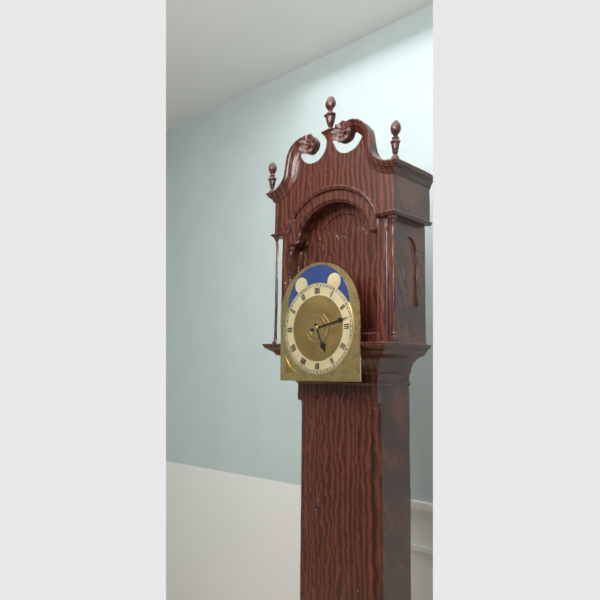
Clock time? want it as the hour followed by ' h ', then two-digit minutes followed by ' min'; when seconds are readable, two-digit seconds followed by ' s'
5 h 13 min
